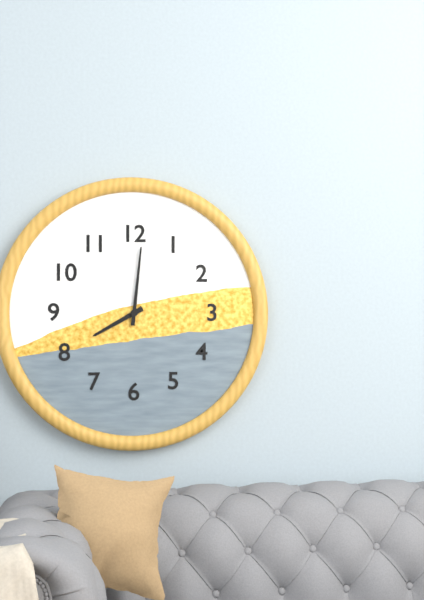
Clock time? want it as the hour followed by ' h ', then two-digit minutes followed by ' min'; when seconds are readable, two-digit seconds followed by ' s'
8 h 01 min
